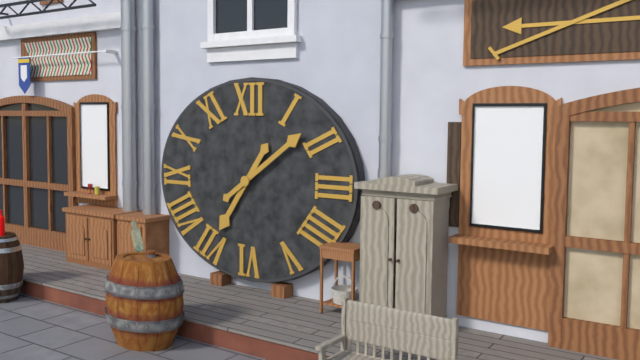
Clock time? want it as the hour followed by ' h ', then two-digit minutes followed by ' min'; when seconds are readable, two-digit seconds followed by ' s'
7 h 09 min
